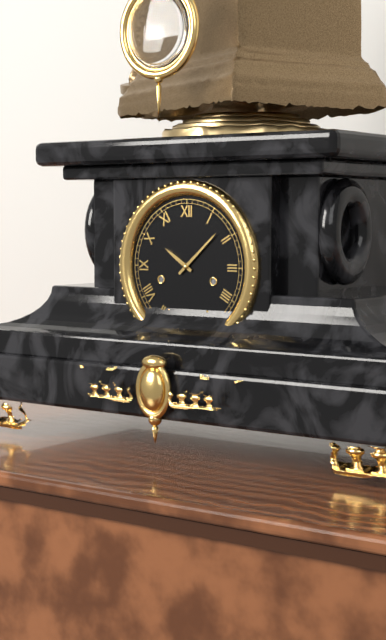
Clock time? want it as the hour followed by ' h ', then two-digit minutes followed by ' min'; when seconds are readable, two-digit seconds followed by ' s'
10 h 08 min
